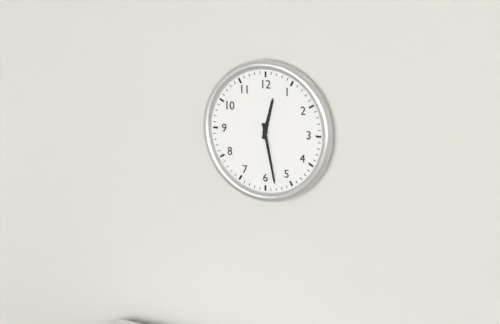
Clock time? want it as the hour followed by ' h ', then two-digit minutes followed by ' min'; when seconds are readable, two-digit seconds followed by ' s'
12 h 28 min
